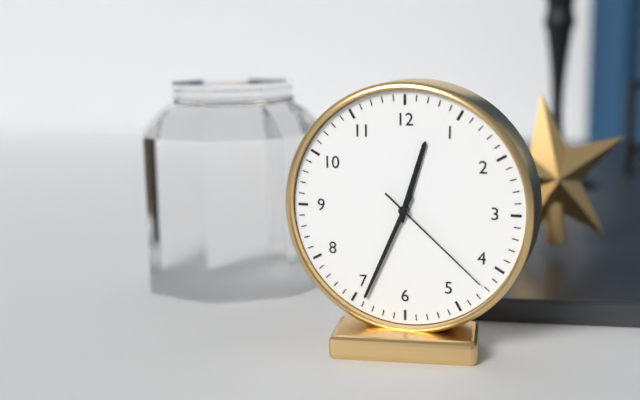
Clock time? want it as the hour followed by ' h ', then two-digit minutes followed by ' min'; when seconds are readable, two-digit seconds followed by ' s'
12 h 34 min 22 s
